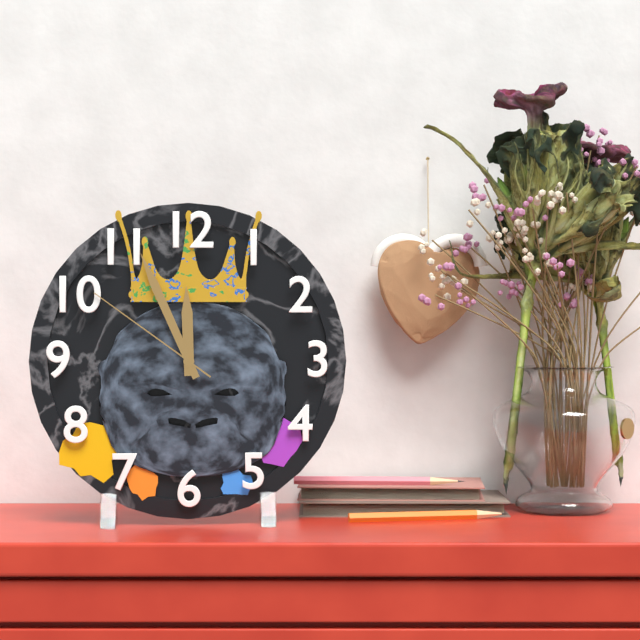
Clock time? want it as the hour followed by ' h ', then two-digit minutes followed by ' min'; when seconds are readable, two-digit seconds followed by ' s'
11 h 56 min 51 s
